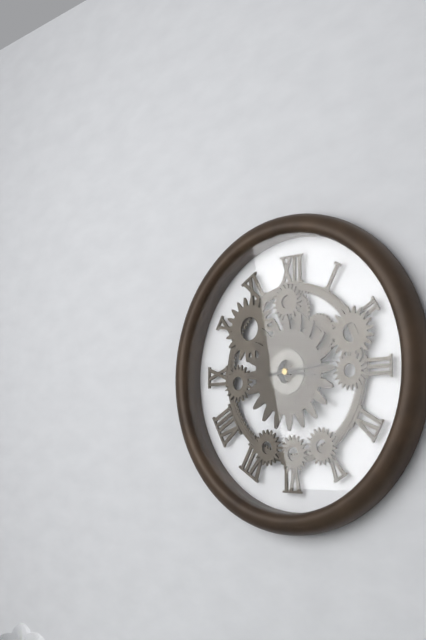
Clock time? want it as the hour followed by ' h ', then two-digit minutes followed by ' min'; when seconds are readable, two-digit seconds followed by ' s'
3 h 14 min
